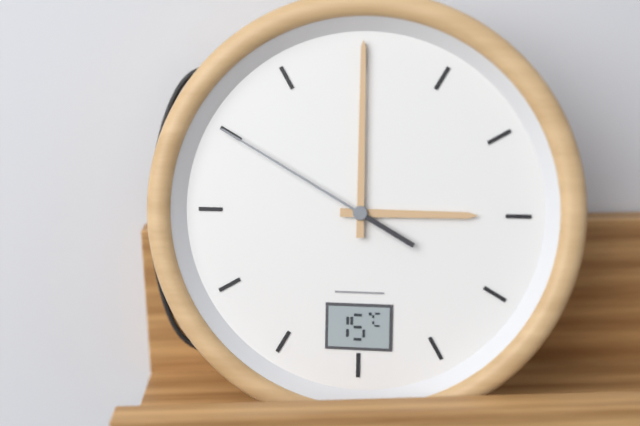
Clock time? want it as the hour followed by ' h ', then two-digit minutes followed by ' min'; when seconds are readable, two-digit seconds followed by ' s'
3 h 00 min 50 s
